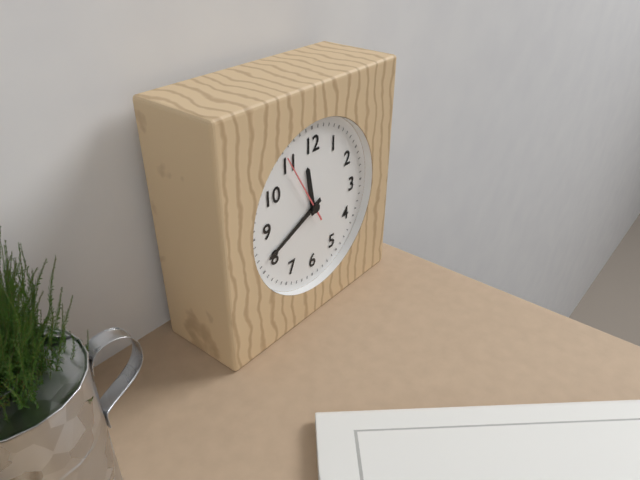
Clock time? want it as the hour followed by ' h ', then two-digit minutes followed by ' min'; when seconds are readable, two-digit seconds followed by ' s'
11 h 41 min 55 s
